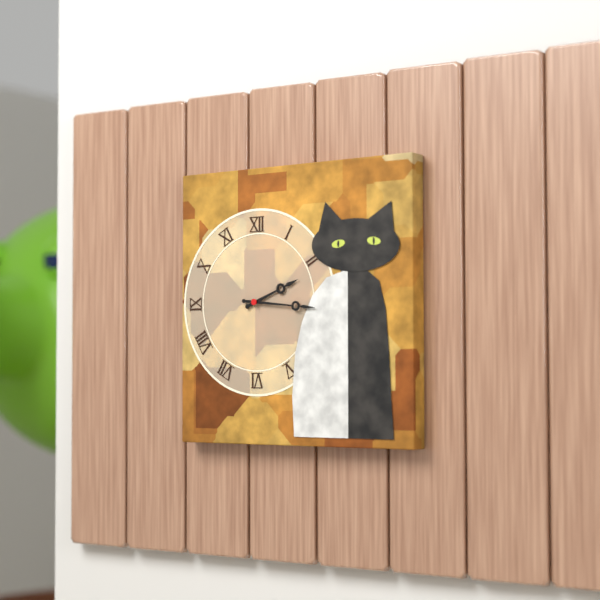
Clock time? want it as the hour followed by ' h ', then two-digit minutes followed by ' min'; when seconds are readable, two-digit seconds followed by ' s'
2 h 16 min
